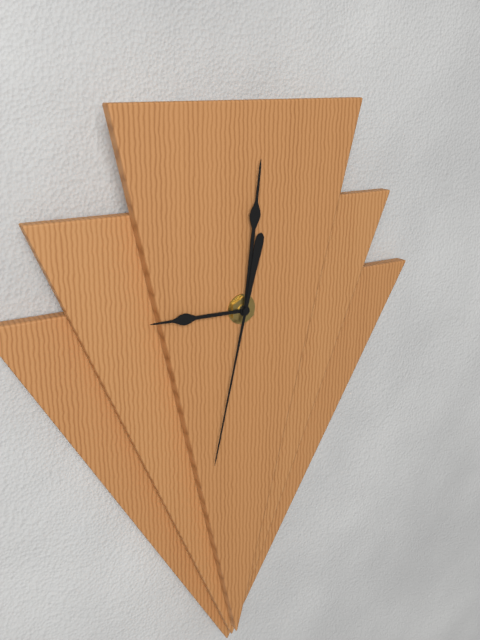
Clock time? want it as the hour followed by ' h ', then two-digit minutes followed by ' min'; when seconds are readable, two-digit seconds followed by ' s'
9 h 01 min 32 s
